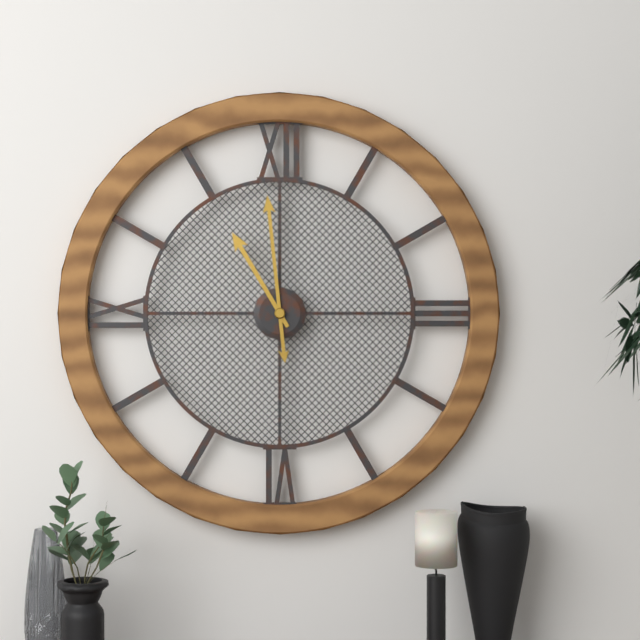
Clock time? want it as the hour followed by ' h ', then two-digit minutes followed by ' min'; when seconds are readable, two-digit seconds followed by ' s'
10 h 59 min
